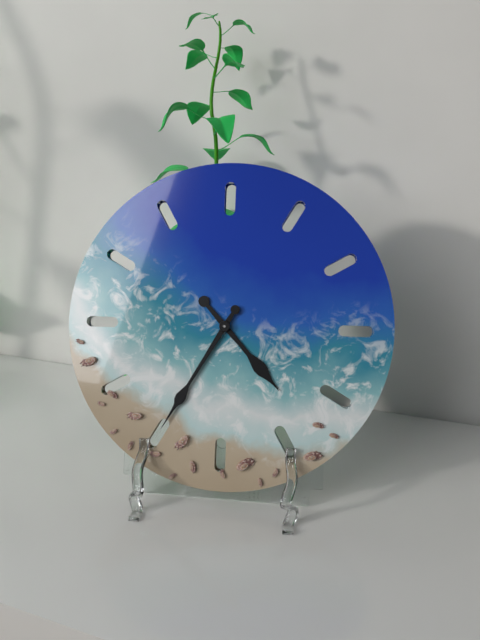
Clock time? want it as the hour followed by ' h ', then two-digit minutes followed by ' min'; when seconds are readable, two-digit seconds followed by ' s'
4 h 35 min
